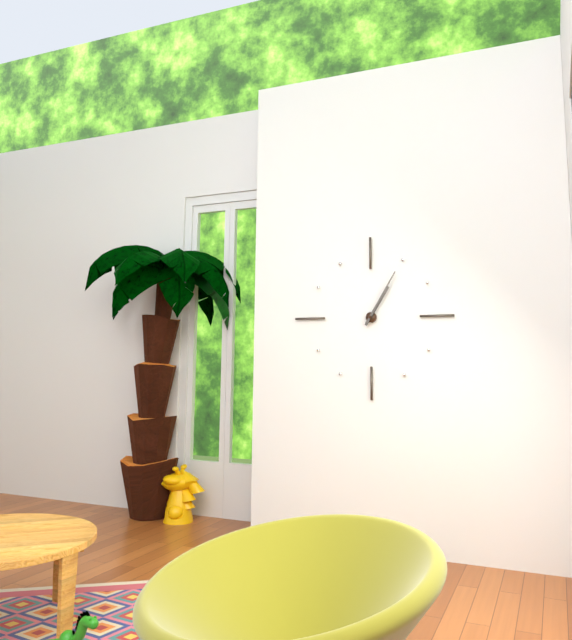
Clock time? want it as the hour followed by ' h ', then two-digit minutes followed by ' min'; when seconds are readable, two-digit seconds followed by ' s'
1 h 05 min
